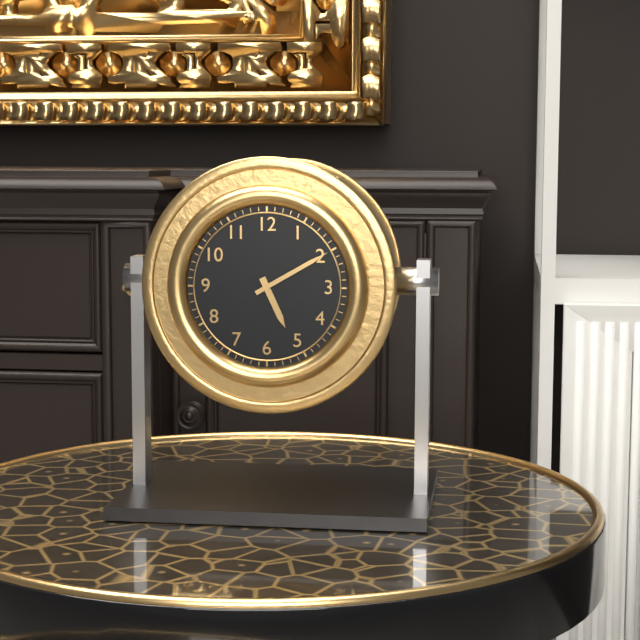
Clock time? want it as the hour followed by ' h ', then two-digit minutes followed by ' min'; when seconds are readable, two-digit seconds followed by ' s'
5 h 10 min
